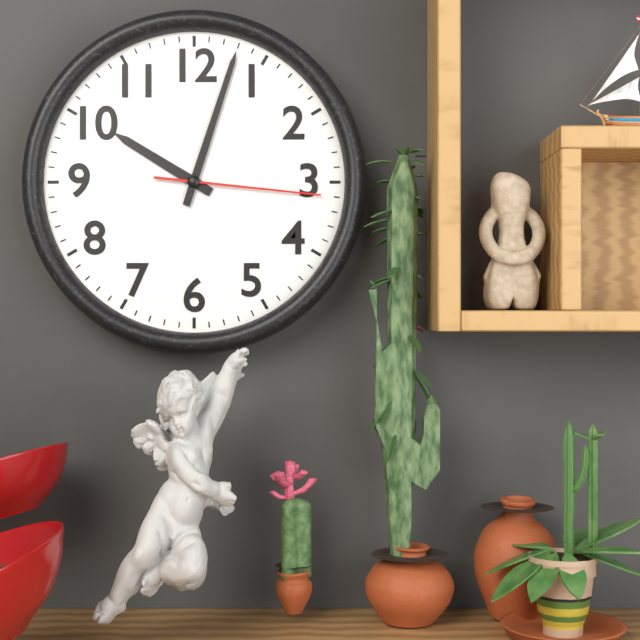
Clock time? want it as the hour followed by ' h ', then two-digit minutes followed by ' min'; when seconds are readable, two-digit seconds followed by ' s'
10 h 03 min 16 s
